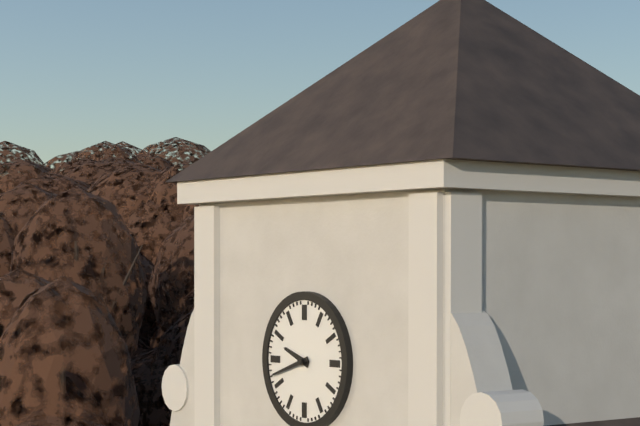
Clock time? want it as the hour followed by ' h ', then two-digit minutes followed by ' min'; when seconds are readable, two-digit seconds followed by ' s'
9 h 42 min
